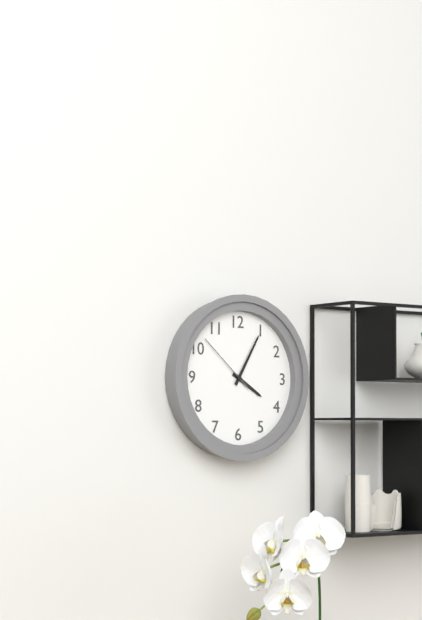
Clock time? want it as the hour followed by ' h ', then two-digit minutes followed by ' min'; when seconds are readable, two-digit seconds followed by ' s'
4 h 05 min 52 s
